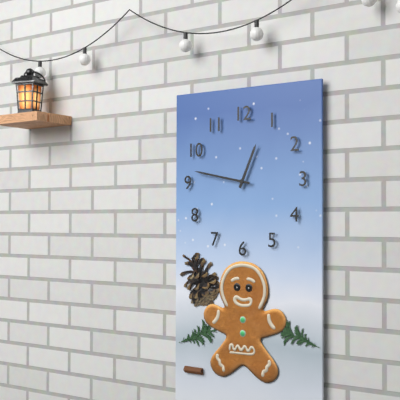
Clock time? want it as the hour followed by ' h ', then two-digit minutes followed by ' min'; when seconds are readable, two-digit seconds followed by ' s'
12 h 47 min
